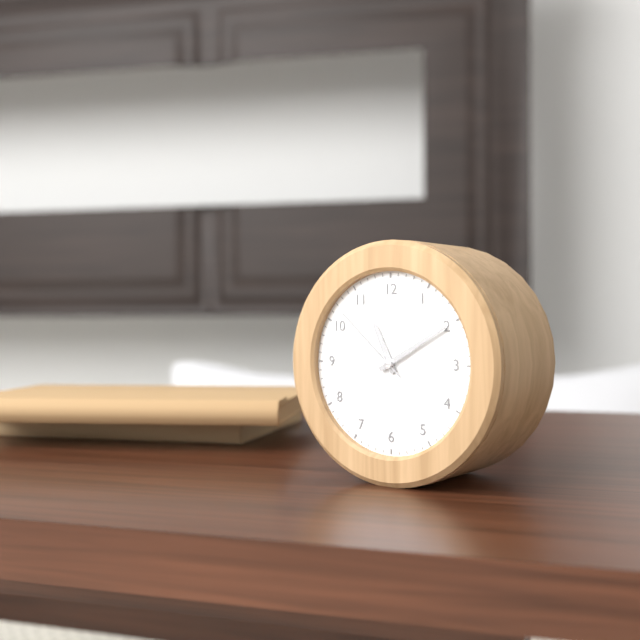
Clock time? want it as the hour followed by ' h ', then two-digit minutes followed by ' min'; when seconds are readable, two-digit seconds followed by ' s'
11 h 10 min 52 s
